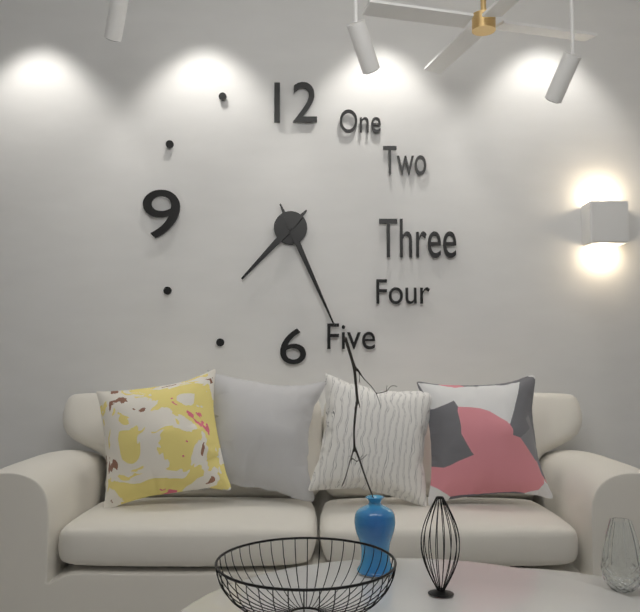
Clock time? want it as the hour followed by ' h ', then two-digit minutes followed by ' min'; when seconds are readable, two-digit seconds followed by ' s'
7 h 26 min
